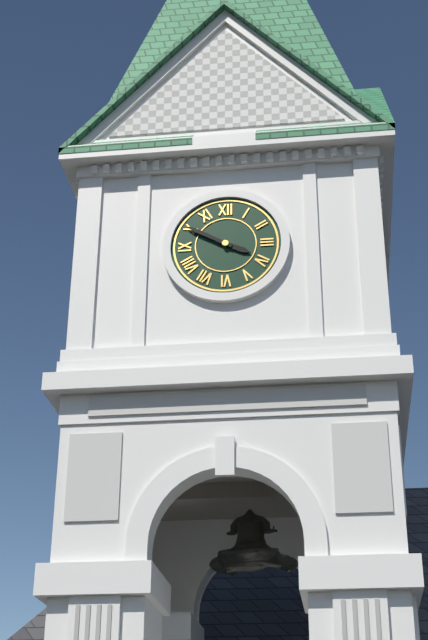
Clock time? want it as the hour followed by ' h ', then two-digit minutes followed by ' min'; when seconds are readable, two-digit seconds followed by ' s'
3 h 50 min
